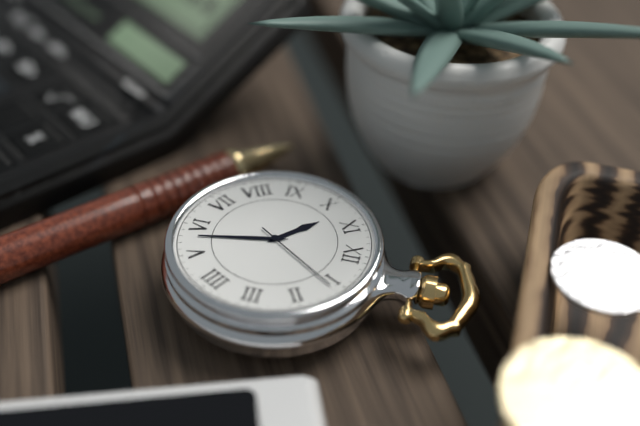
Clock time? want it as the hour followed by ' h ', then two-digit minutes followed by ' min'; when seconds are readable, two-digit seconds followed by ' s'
10 h 28 min 06 s
